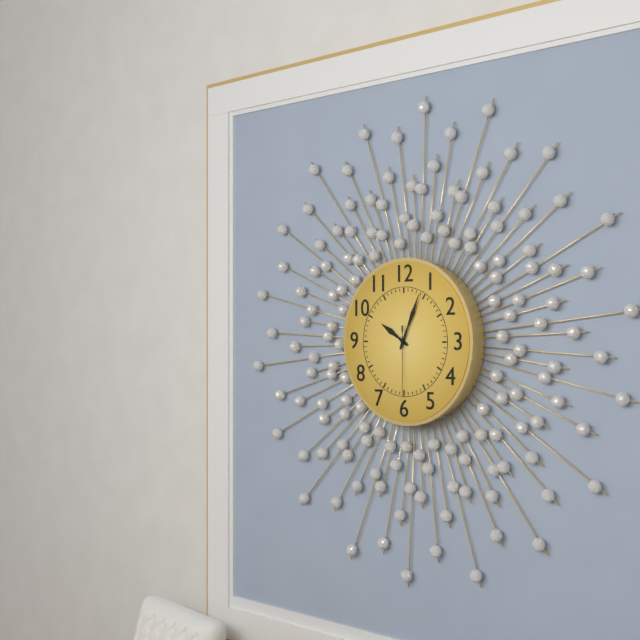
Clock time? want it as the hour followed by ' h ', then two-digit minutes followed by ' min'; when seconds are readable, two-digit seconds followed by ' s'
10 h 04 min 30 s
